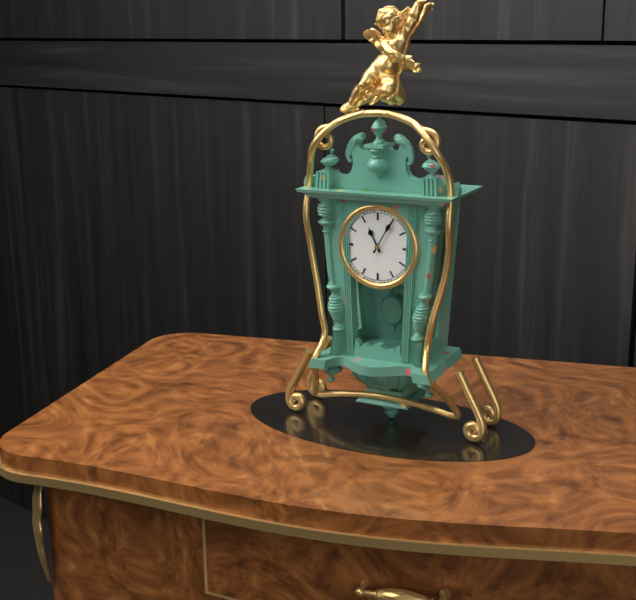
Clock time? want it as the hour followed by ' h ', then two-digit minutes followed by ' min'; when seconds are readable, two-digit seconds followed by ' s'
11 h 05 min
